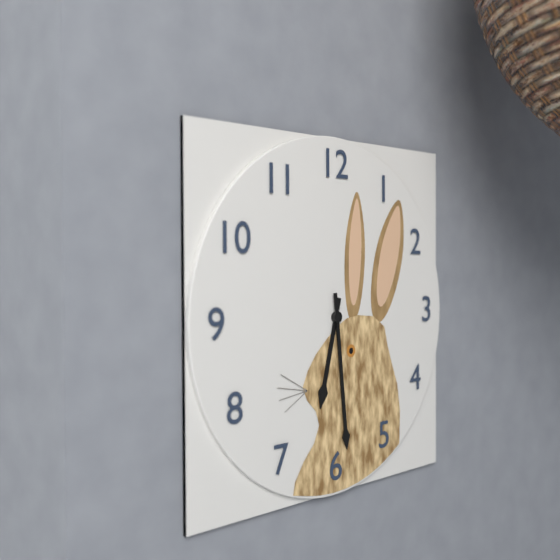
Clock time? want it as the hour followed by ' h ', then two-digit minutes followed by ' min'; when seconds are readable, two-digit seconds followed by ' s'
6 h 29 min
